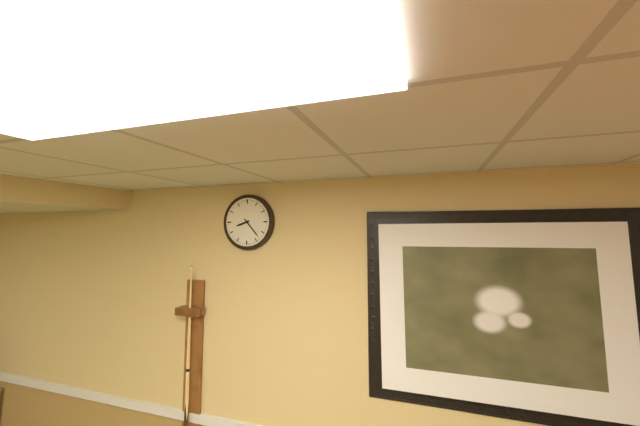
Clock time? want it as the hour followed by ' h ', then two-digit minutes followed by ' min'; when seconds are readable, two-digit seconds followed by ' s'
8 h 23 min
